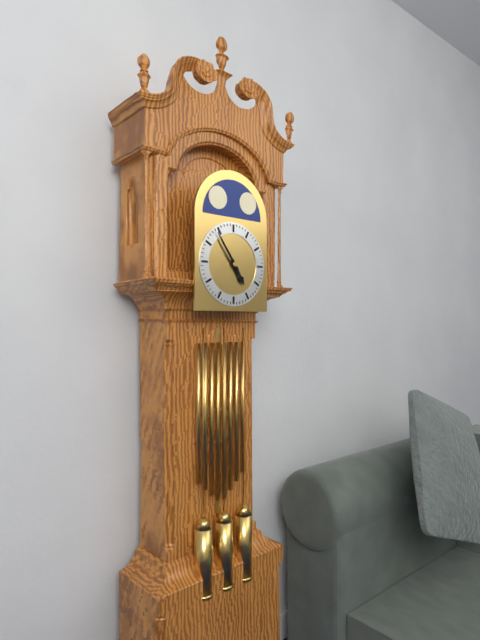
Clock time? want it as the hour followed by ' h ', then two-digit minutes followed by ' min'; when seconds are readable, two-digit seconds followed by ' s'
4 h 54 min
